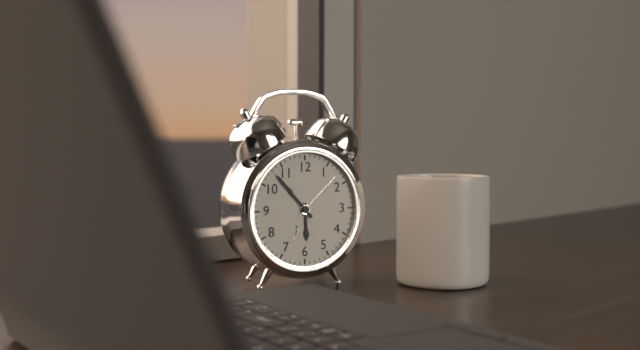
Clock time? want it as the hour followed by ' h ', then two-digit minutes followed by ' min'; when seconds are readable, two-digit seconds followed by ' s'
5 h 53 min
